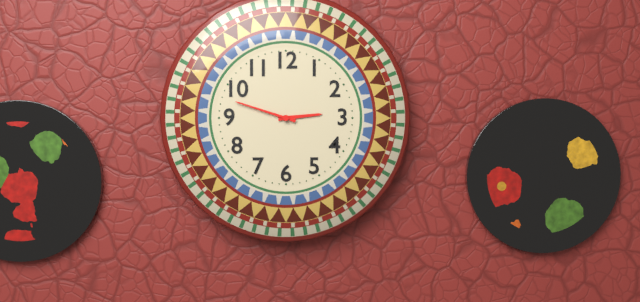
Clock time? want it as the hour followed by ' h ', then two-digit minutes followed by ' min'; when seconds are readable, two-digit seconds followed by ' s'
2 h 48 min
